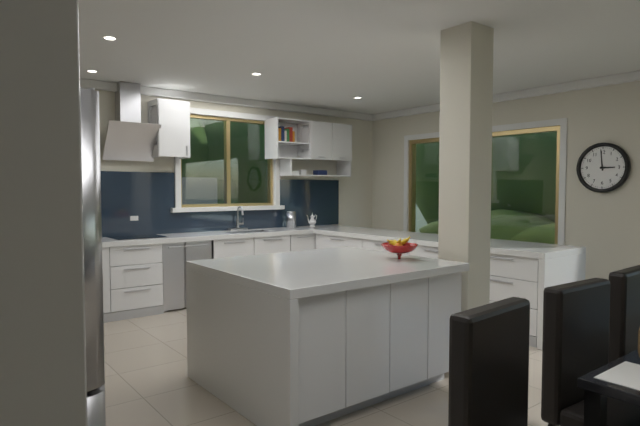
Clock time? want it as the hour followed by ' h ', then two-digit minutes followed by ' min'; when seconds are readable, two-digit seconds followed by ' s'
2 h 59 min
